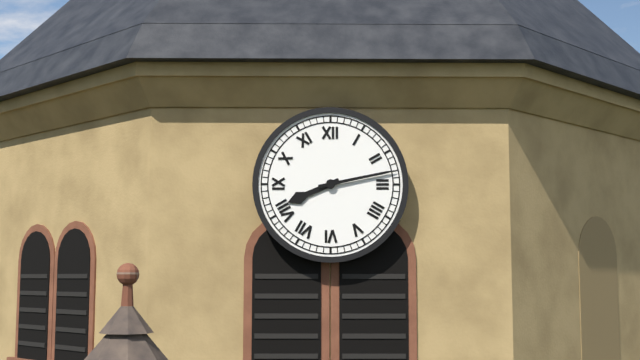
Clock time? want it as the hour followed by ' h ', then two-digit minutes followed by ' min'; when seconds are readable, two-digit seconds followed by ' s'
8 h 13 min
